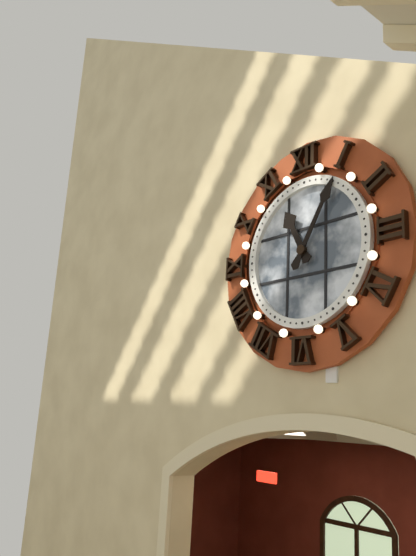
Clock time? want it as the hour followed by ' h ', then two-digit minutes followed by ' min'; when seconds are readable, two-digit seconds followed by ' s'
11 h 05 min
